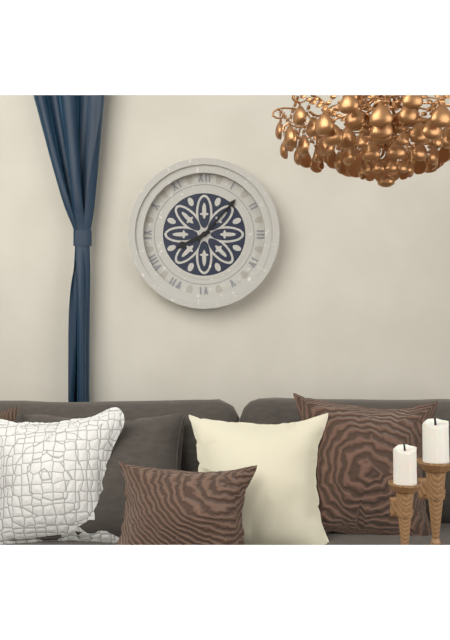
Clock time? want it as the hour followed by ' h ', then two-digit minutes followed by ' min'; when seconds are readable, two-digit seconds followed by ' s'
8 h 07 min
